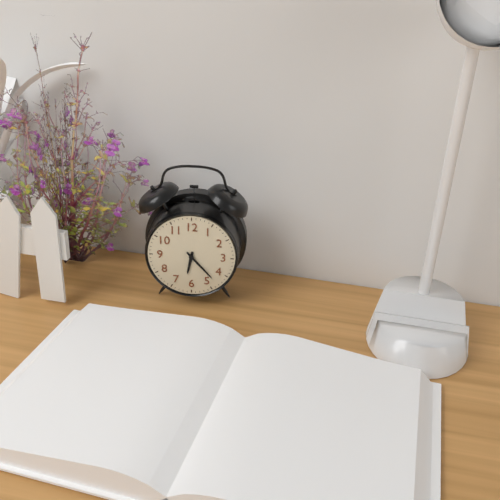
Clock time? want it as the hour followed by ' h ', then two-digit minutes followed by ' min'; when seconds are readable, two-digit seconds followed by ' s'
6 h 23 min
